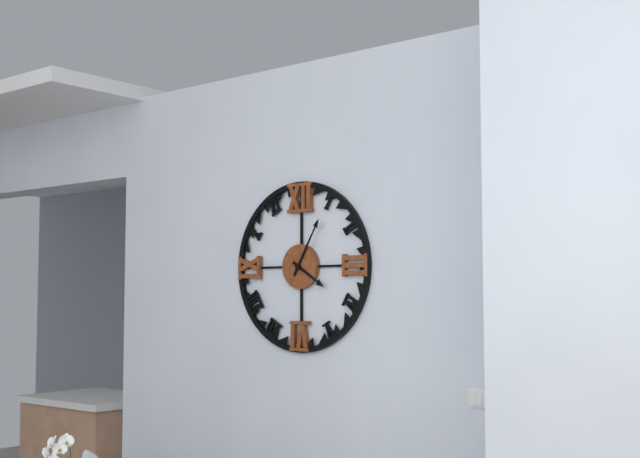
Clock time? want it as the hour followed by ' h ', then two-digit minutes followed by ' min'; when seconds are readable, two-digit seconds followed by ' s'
4 h 05 min
